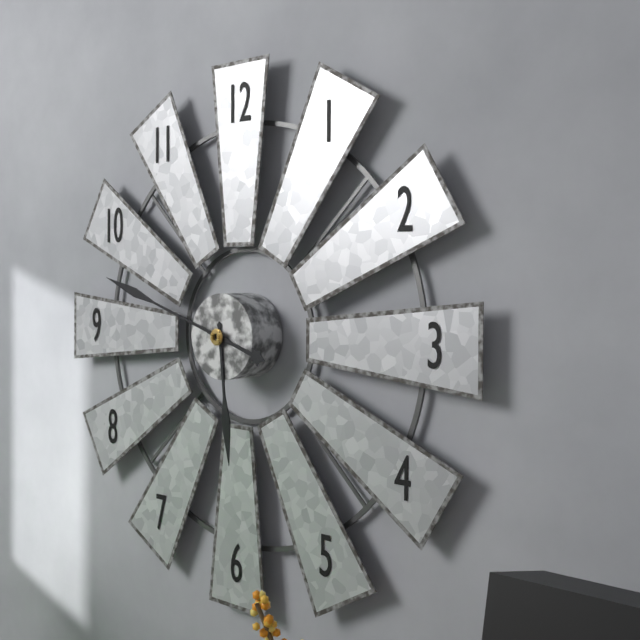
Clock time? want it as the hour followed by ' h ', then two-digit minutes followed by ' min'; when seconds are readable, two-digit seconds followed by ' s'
5 h 48 min
